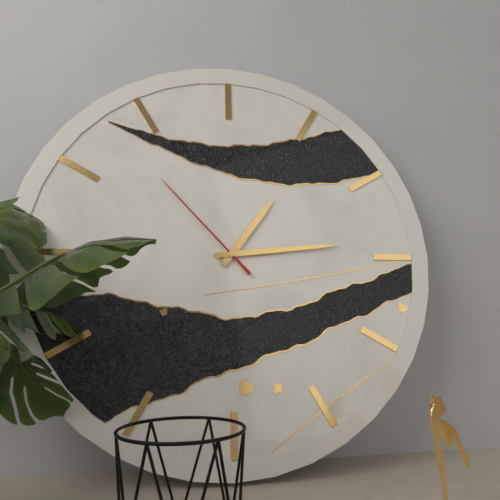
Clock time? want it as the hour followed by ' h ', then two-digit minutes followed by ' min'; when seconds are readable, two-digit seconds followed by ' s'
1 h 14 min 53 s
